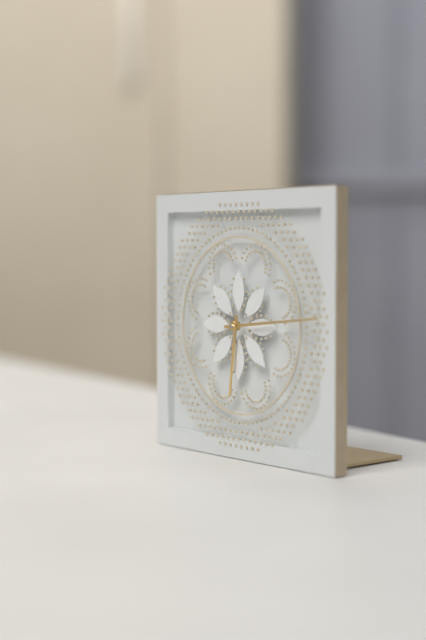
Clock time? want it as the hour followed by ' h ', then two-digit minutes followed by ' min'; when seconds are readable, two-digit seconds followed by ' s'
6 h 14 min
